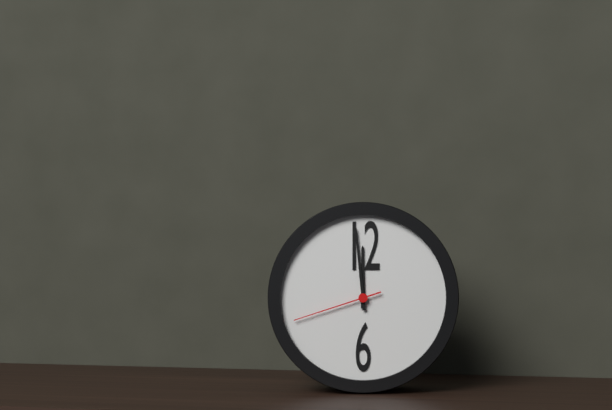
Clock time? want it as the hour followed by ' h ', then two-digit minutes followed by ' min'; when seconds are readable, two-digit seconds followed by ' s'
11 h 59 min 42 s
